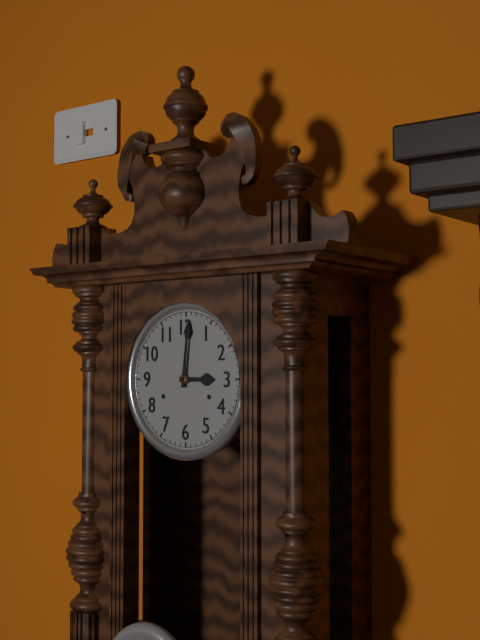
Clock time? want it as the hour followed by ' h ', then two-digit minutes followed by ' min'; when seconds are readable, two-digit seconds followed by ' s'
3 h 01 min
